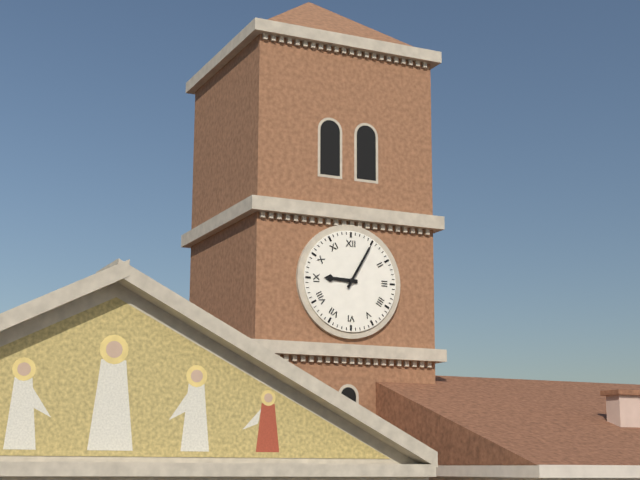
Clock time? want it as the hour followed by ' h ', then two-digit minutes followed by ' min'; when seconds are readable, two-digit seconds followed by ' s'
9 h 05 min
